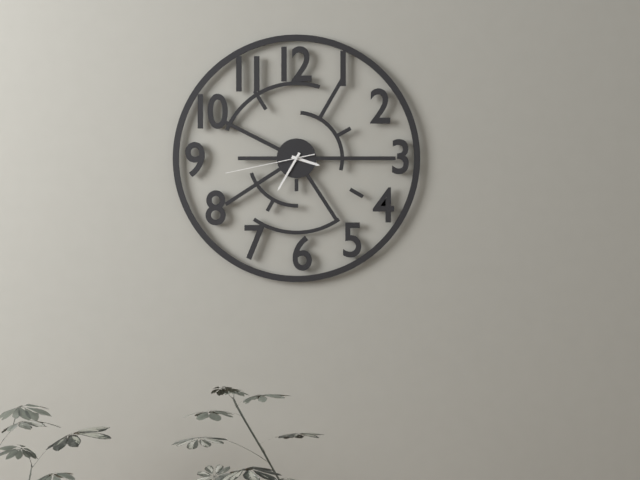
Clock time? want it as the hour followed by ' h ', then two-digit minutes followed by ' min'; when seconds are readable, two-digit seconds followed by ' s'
3 h 35 min 43 s
